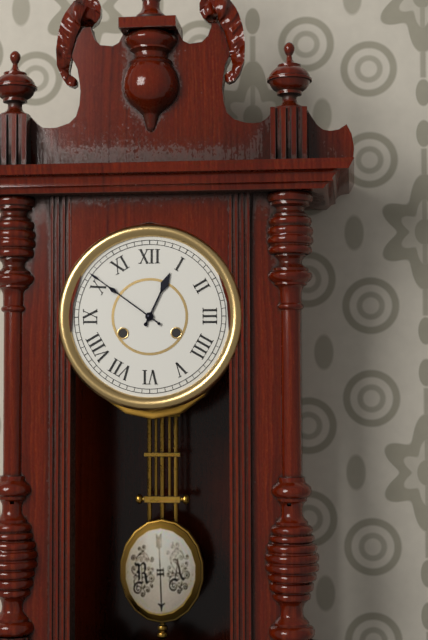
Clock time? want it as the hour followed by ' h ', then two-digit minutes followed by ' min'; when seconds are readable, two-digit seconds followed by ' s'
12 h 51 min
